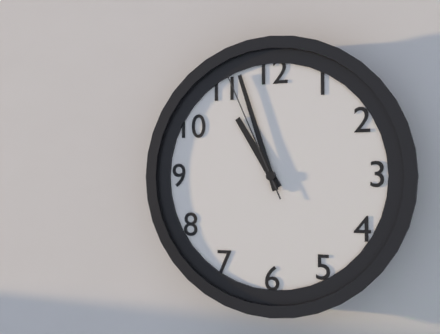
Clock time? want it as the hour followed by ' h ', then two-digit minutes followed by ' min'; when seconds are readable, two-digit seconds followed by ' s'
10 h 57 min 56 s
